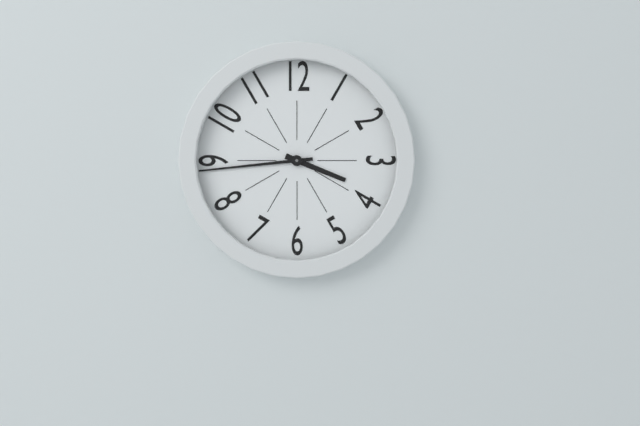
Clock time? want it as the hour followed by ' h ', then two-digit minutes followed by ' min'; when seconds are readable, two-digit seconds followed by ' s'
3 h 44 min
